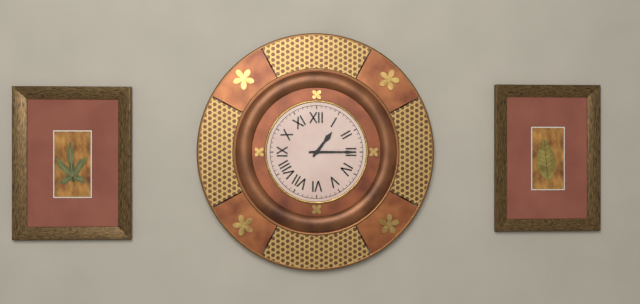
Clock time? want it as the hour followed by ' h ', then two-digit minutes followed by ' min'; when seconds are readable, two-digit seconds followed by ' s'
1 h 15 min
